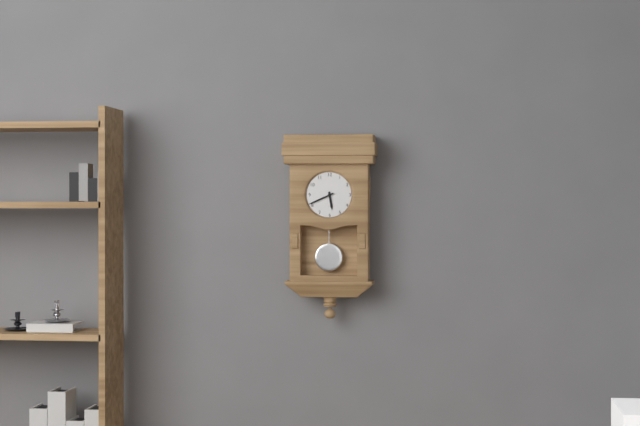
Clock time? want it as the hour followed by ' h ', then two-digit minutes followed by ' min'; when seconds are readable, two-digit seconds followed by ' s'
5 h 41 min
